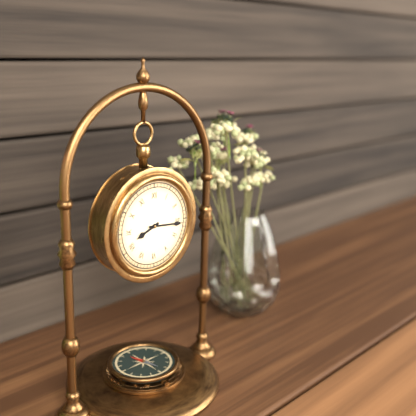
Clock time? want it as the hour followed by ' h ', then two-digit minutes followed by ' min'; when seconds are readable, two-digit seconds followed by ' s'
8 h 16 min
